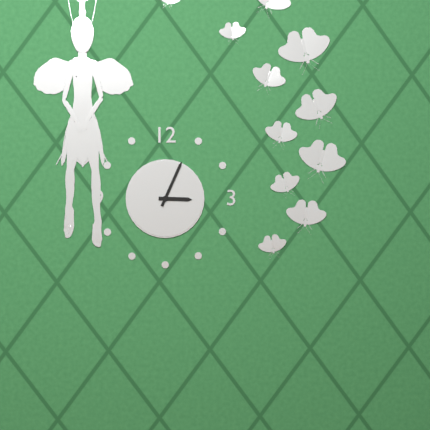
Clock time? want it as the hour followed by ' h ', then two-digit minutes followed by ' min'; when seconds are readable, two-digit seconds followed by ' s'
3 h 04 min
